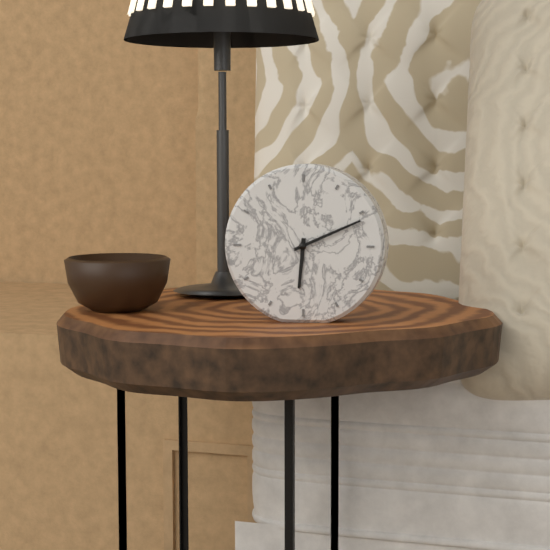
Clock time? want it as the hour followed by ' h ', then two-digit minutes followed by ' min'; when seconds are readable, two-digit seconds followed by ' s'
6 h 11 min
